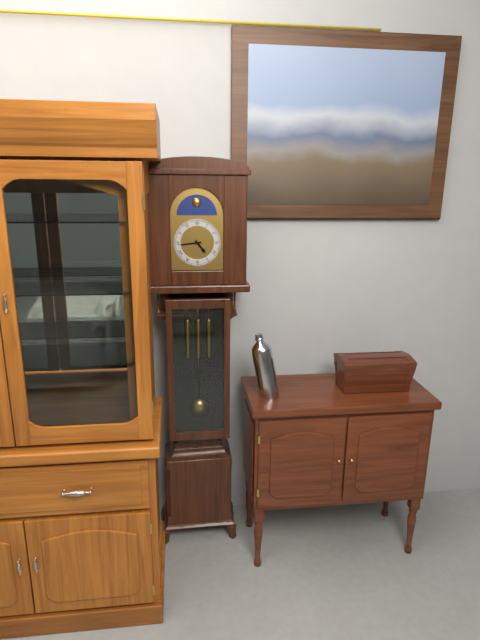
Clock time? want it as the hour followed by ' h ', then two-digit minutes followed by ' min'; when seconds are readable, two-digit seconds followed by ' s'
4 h 44 min
